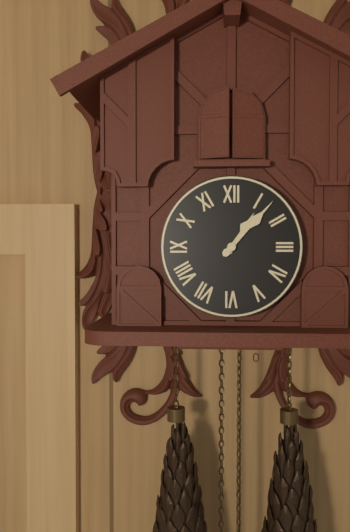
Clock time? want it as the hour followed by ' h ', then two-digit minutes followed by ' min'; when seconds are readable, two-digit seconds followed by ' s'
1 h 07 min
